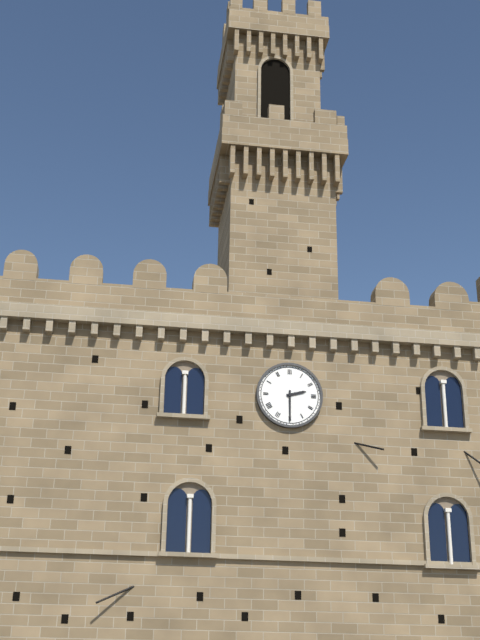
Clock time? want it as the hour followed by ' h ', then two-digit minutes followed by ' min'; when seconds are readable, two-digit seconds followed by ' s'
2 h 30 min
